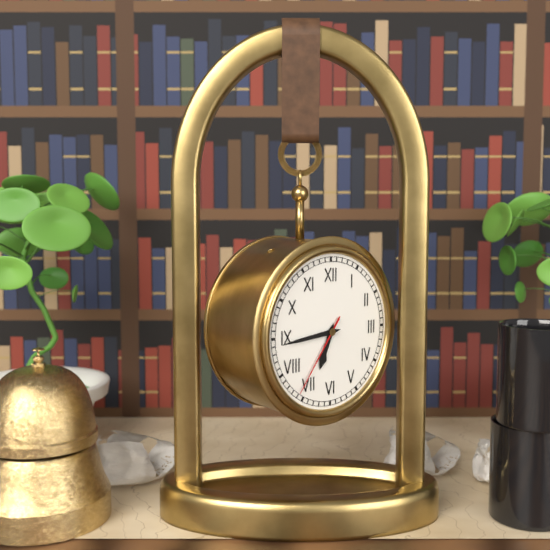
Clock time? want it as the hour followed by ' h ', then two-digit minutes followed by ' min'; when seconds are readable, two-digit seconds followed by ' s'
6 h 44 min 36 s
